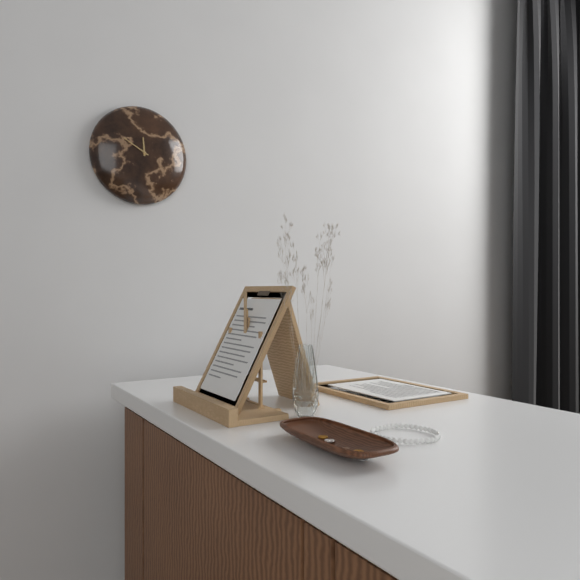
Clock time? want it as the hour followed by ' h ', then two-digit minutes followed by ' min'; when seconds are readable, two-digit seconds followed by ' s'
11 h 50 min
